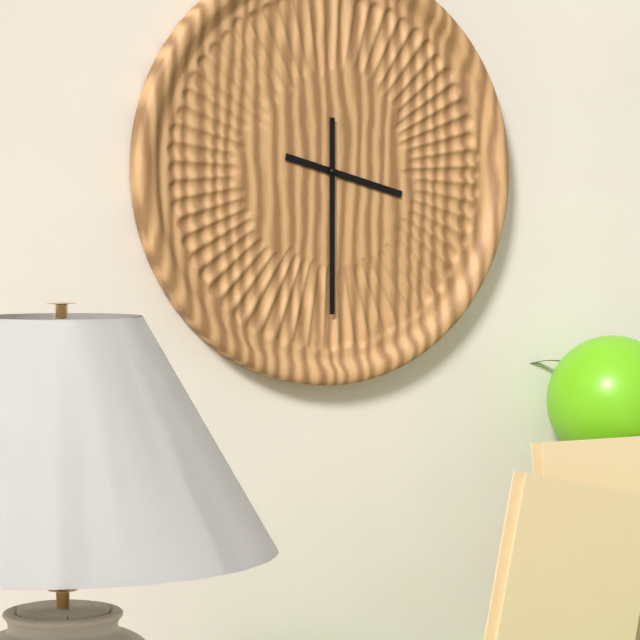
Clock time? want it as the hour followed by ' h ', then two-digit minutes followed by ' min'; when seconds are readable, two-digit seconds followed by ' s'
3 h 30 min
